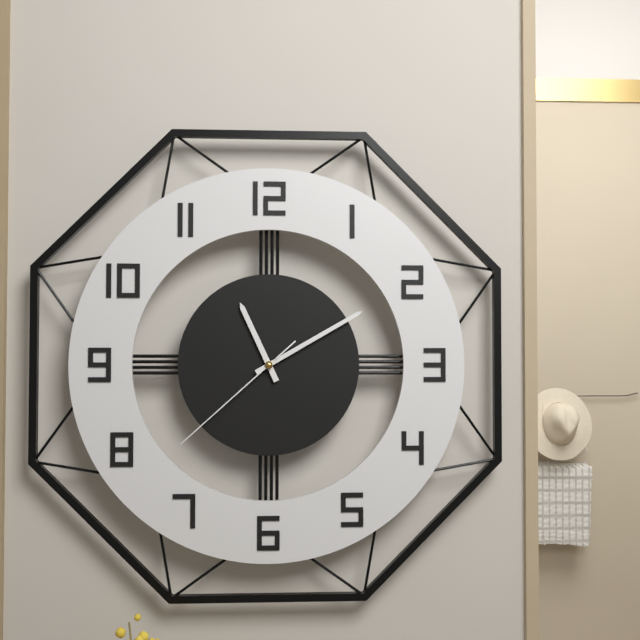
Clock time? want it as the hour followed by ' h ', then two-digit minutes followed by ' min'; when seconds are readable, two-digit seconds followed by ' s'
11 h 10 min 38 s
